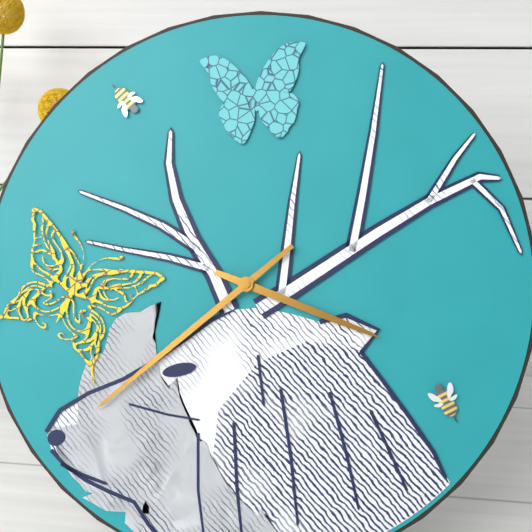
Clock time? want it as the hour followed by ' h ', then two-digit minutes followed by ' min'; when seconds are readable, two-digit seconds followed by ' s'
3 h 38 min
